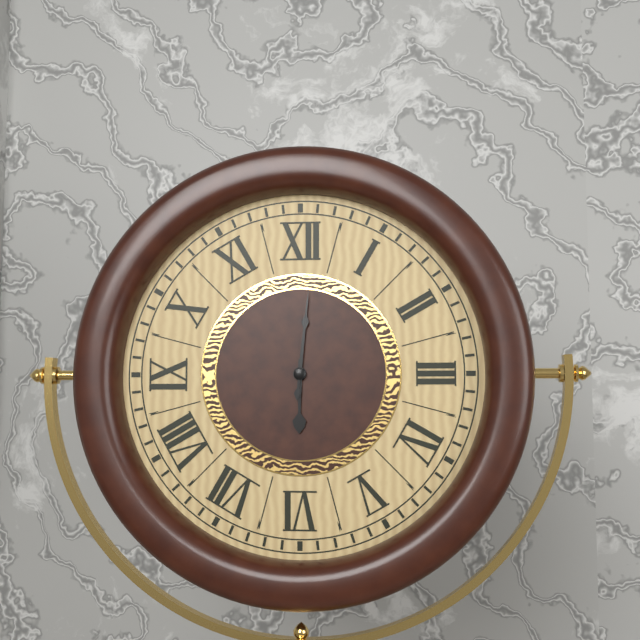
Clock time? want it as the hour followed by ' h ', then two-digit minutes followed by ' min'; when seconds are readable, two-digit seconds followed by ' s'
6 h 01 min
